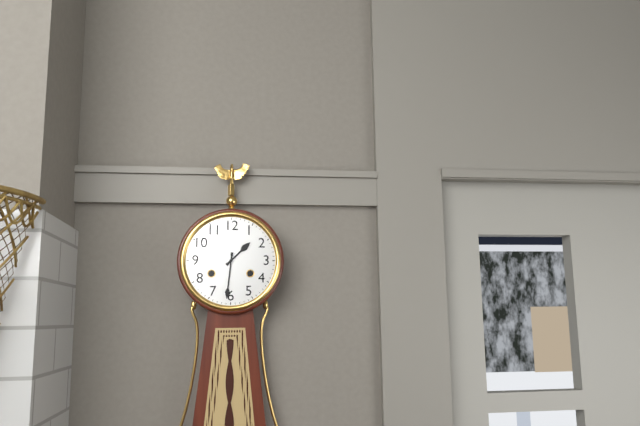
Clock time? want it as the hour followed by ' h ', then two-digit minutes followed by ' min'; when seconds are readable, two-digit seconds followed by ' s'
1 h 31 min
